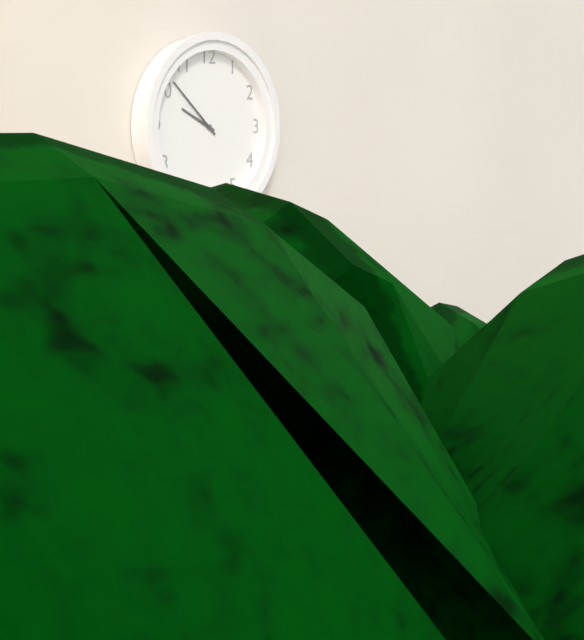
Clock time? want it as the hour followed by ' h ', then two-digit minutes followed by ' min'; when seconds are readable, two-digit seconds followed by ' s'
9 h 52 min
